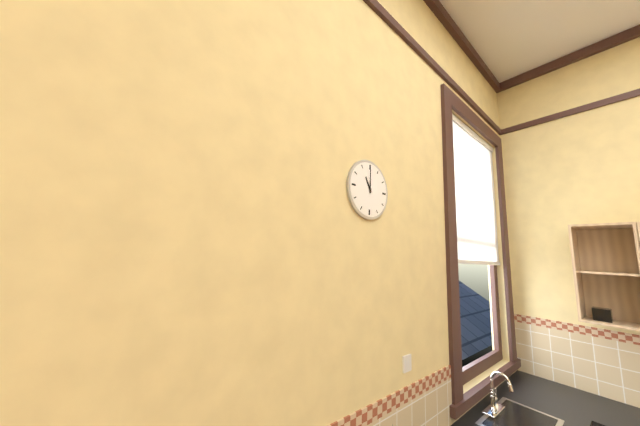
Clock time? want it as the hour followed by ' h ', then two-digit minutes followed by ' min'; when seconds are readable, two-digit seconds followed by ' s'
11 h 00 min
